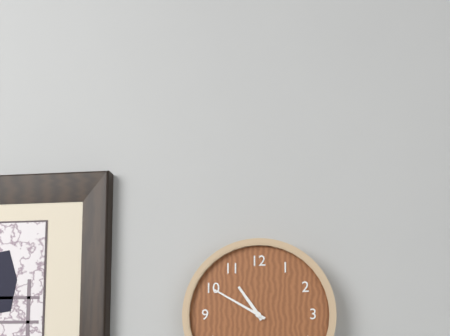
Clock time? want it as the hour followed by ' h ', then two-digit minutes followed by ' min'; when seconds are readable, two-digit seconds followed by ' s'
10 h 50 min
